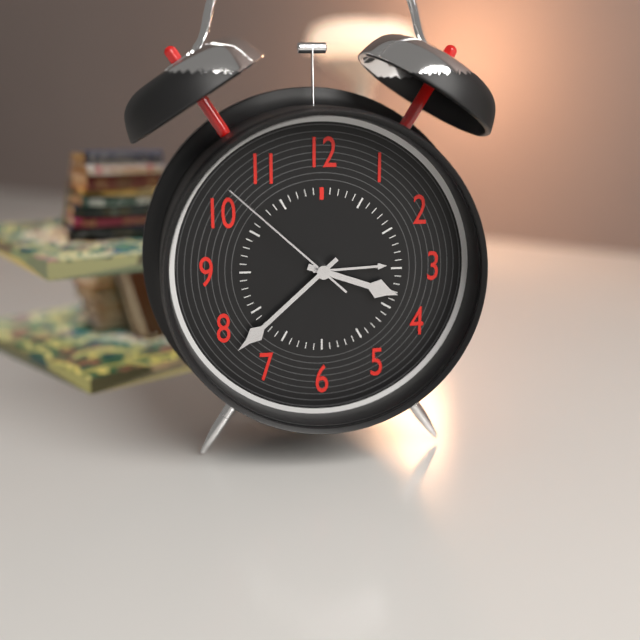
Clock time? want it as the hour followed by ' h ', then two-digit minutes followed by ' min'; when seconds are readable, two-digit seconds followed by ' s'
3 h 38 min 52 s
